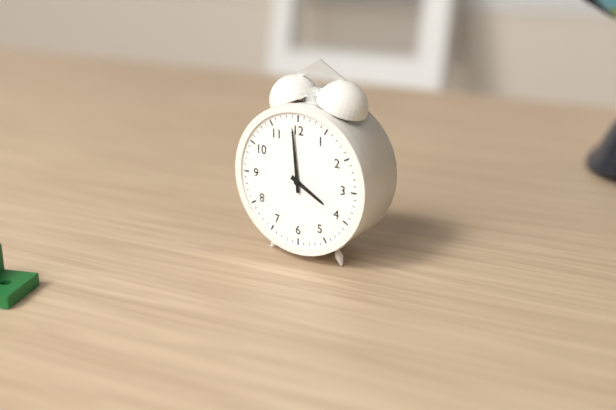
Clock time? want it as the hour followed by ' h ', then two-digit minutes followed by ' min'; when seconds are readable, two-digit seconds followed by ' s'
3 h 59 min
